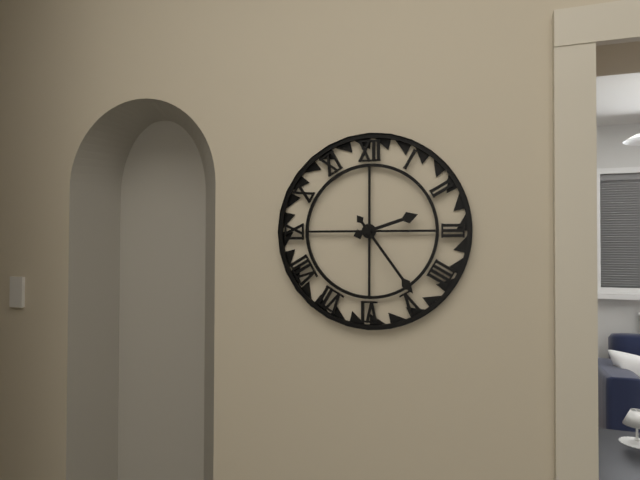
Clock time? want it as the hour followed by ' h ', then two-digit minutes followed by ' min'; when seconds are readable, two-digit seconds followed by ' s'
2 h 24 min
